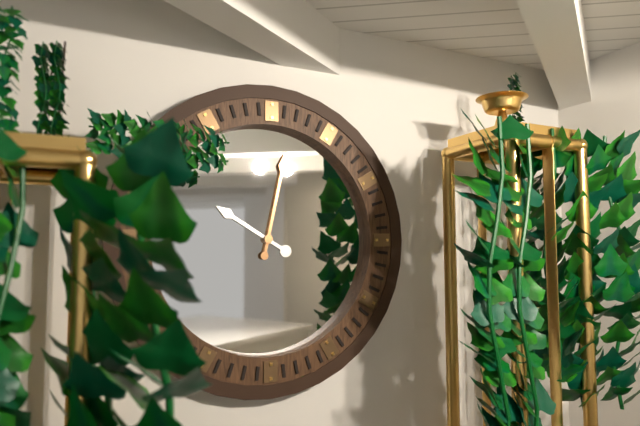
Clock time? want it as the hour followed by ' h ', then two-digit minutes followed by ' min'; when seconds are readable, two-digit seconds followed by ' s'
10 h 02 min
